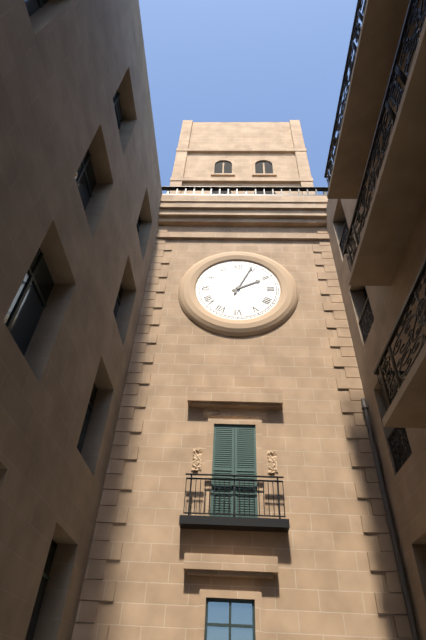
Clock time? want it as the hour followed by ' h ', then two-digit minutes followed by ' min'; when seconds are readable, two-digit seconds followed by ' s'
2 h 04 min
